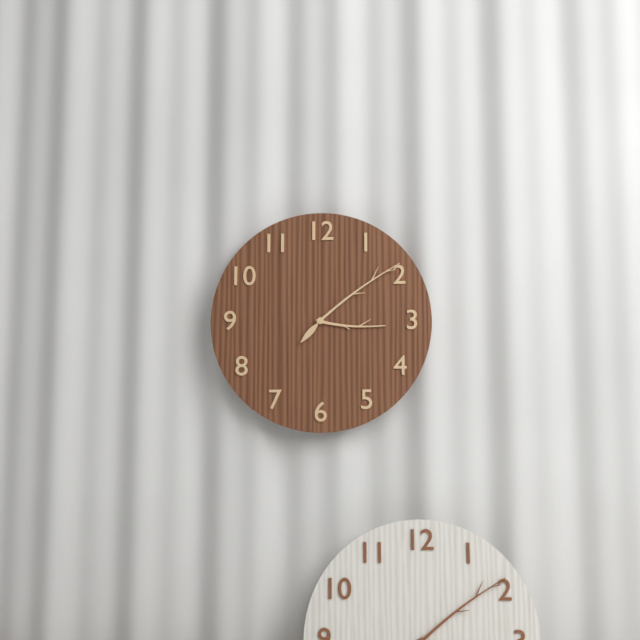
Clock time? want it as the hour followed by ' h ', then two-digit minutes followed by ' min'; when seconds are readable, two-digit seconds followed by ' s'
3 h 09 min
